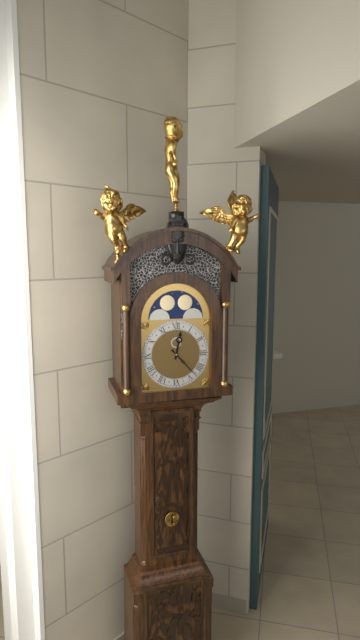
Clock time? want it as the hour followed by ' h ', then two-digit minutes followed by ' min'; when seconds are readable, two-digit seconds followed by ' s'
12 h 23 min
